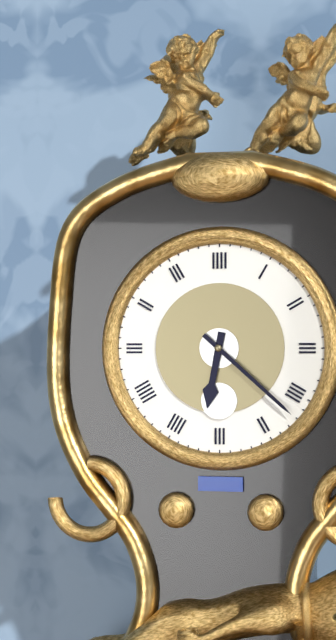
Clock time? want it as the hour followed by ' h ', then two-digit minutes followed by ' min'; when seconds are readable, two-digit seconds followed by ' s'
6 h 22 min
